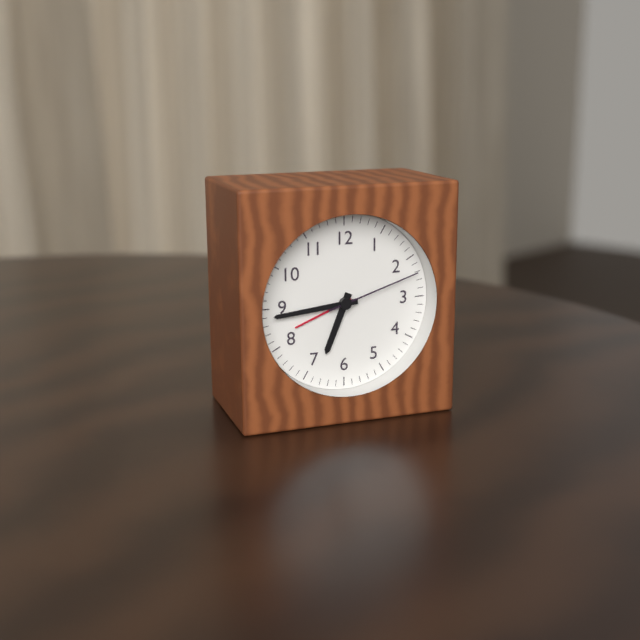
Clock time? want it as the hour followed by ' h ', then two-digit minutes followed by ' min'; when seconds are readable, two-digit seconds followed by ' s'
6 h 44 min 12 s
